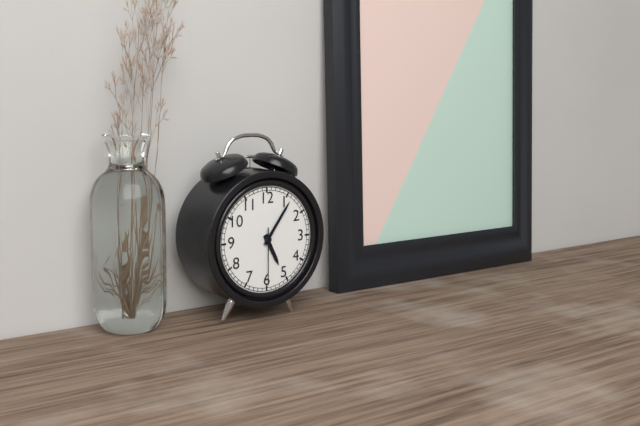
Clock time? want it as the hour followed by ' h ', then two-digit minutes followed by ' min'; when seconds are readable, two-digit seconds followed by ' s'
5 h 06 min 30 s
